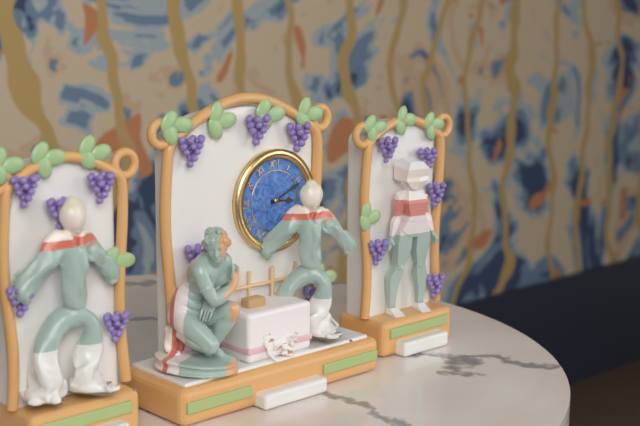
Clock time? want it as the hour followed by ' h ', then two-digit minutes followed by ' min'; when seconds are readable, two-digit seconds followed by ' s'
3 h 11 min
